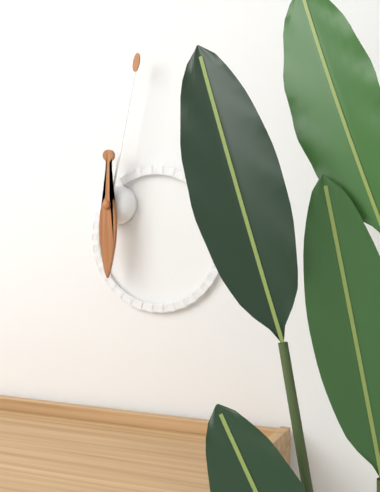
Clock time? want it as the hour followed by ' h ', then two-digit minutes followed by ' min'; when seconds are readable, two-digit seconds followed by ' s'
6 h 02 min
